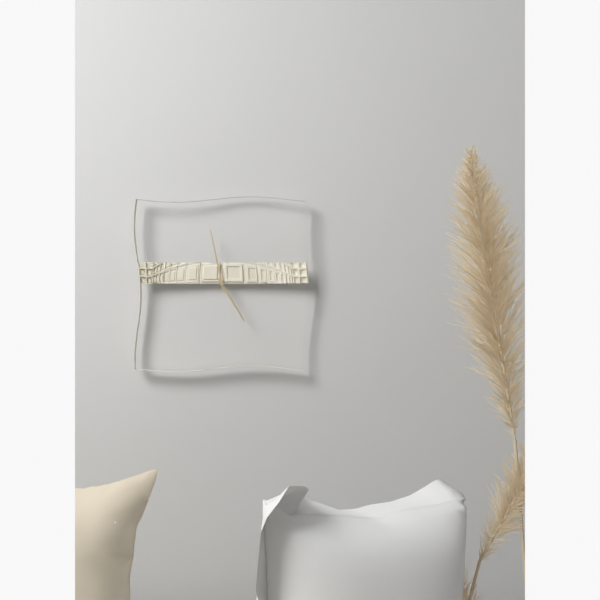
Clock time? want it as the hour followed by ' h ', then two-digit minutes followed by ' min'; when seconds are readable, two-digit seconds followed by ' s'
4 h 58 min
